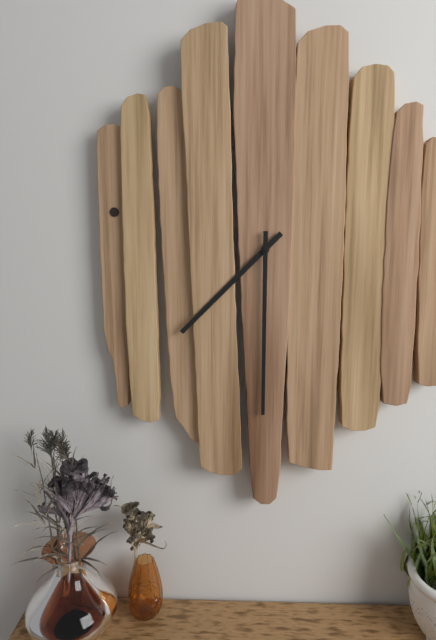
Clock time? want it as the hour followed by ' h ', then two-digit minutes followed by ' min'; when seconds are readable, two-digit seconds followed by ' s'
7 h 30 min
